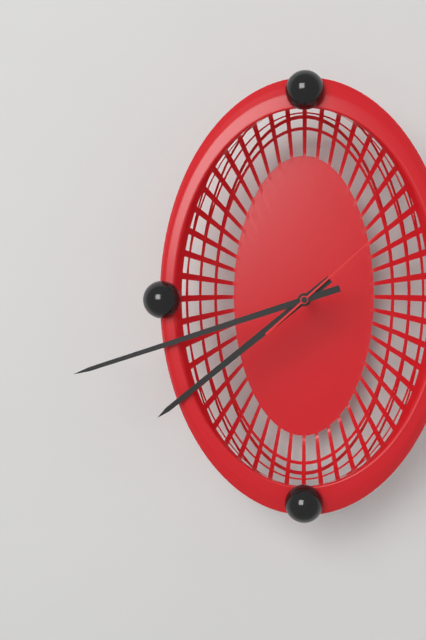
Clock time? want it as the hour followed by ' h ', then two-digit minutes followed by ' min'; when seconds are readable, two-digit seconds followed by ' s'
7 h 42 min 08 s
